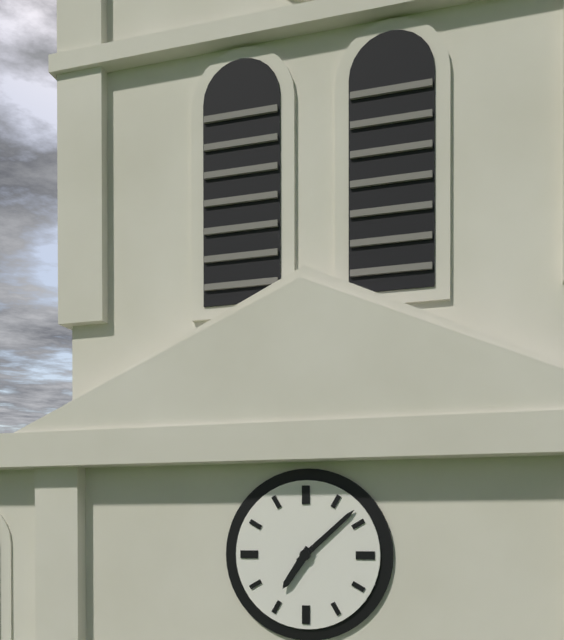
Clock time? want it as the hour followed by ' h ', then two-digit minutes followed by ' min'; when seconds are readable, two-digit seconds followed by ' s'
7 h 08 min
